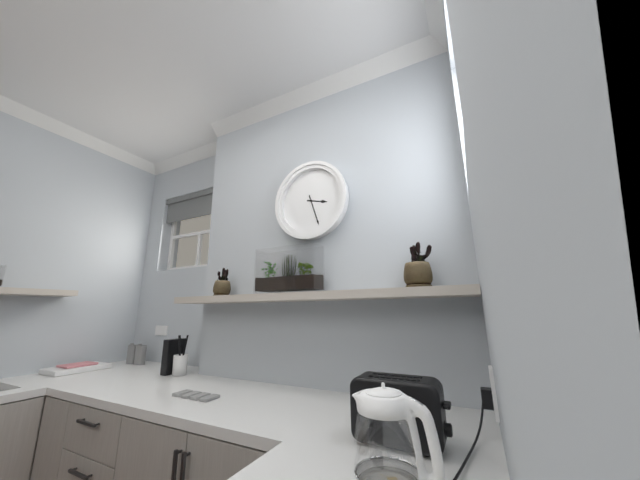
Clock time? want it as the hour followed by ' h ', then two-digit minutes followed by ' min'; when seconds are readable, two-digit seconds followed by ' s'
3 h 27 min
